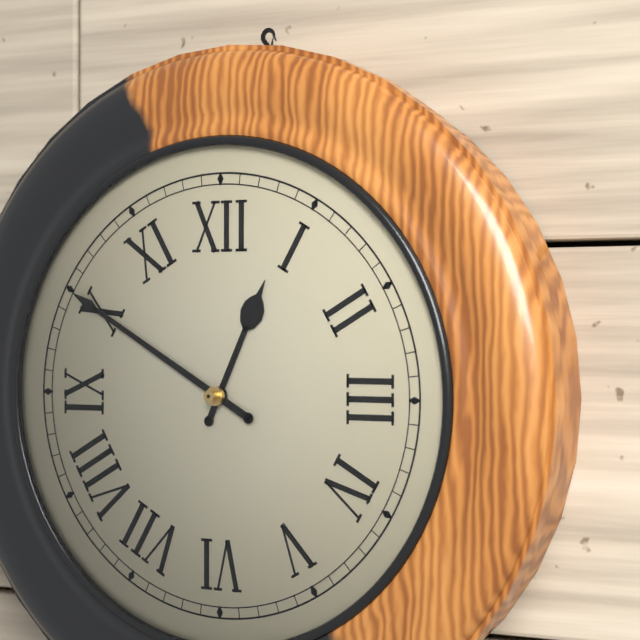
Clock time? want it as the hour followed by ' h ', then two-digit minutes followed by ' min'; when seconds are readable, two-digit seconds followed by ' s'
12 h 50 min
